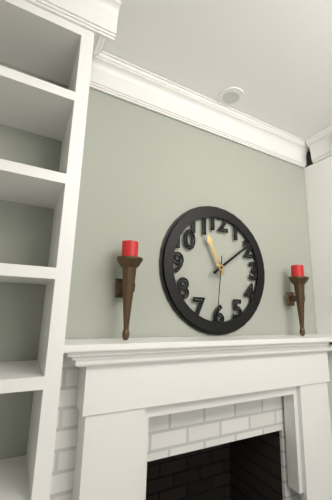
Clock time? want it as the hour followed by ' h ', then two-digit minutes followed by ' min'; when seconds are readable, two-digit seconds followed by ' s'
11 h 09 min 31 s
